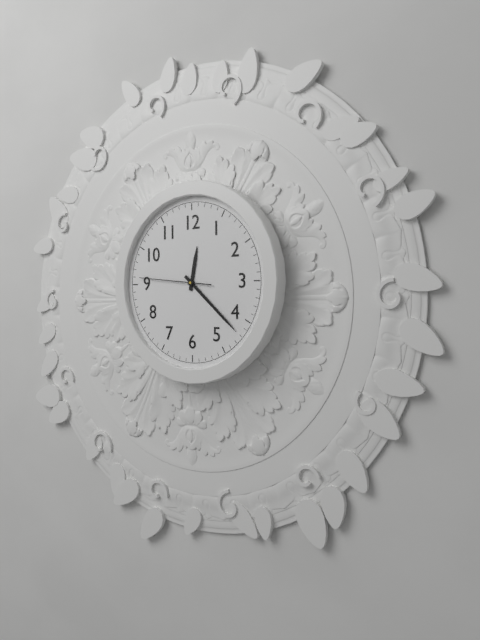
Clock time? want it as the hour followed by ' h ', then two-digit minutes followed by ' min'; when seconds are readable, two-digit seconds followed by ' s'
12 h 22 min 46 s
